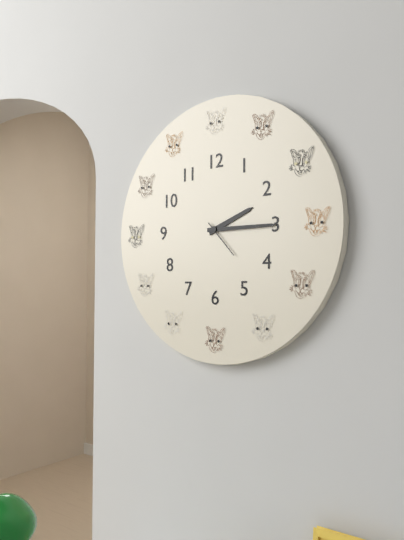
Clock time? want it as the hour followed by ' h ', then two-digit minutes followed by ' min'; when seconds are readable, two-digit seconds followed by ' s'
2 h 15 min
